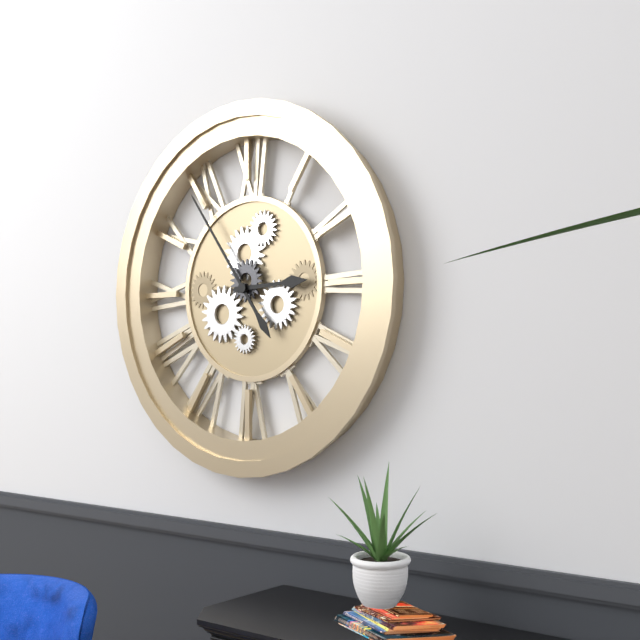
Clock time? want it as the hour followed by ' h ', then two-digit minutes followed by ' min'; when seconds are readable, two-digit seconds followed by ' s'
2 h 54 min
